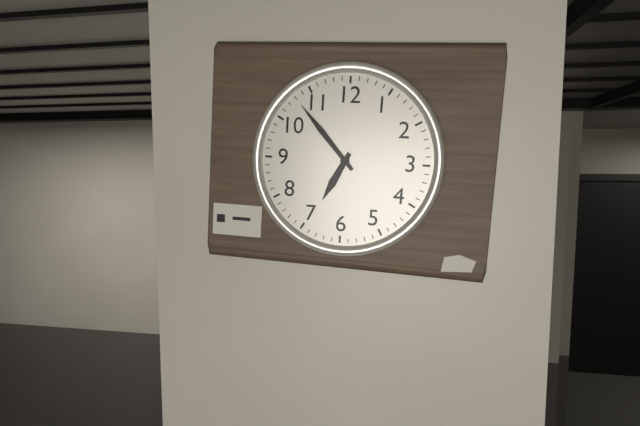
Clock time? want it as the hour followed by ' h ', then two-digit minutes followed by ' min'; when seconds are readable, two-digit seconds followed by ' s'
6 h 53 min
